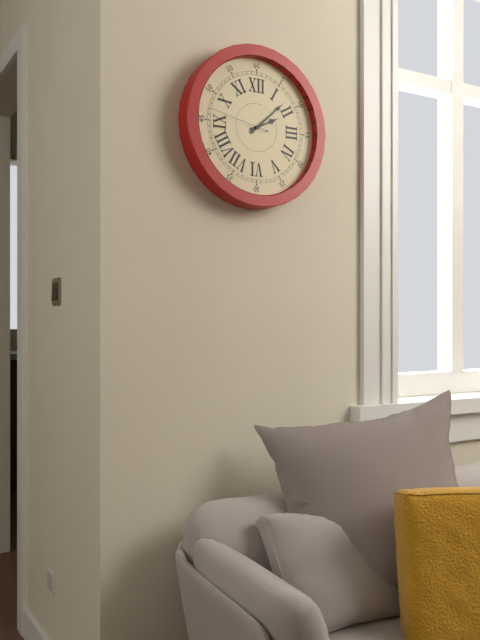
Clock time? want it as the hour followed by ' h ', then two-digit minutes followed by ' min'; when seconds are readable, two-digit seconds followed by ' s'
2 h 08 min 47 s
